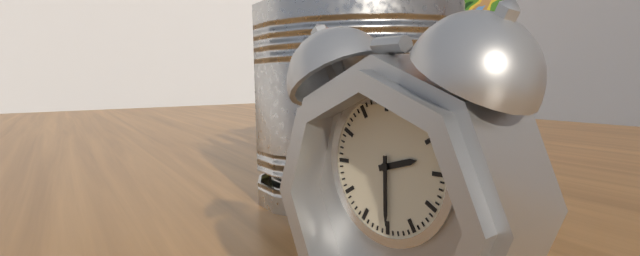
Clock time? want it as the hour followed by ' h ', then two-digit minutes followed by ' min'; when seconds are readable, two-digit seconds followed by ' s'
2 h 30 min
